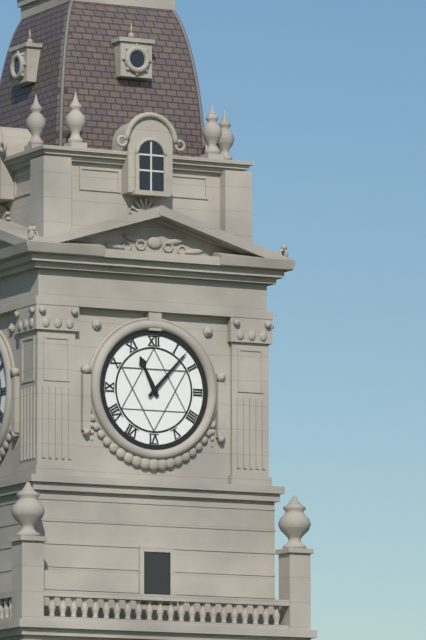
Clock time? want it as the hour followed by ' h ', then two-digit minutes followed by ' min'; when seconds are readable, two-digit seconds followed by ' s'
11 h 07 min
